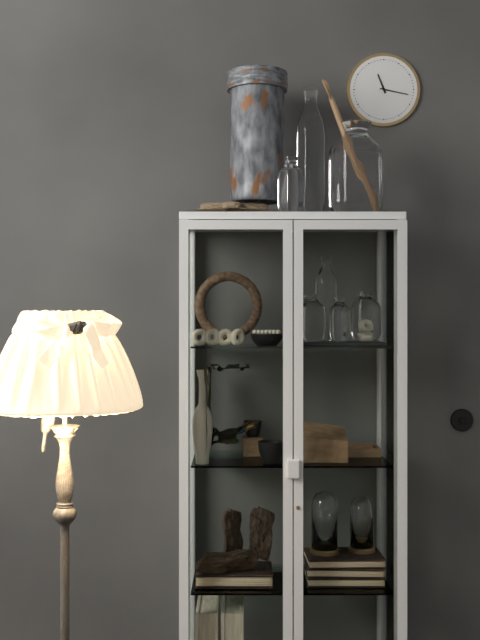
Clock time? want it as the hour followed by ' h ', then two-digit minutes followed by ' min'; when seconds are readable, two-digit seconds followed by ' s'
11 h 17 min
